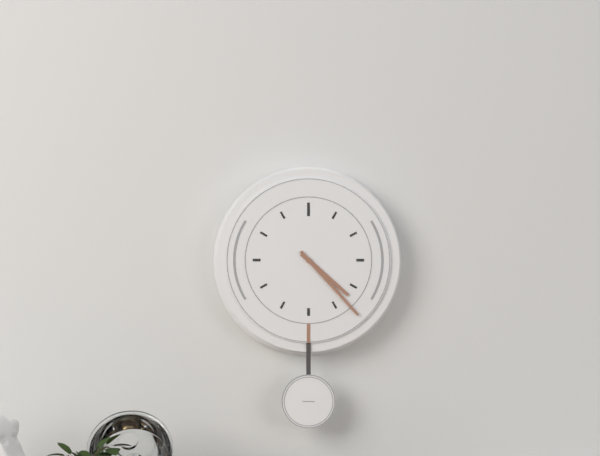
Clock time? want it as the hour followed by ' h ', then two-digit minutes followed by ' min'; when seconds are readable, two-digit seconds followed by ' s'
4 h 23 min
